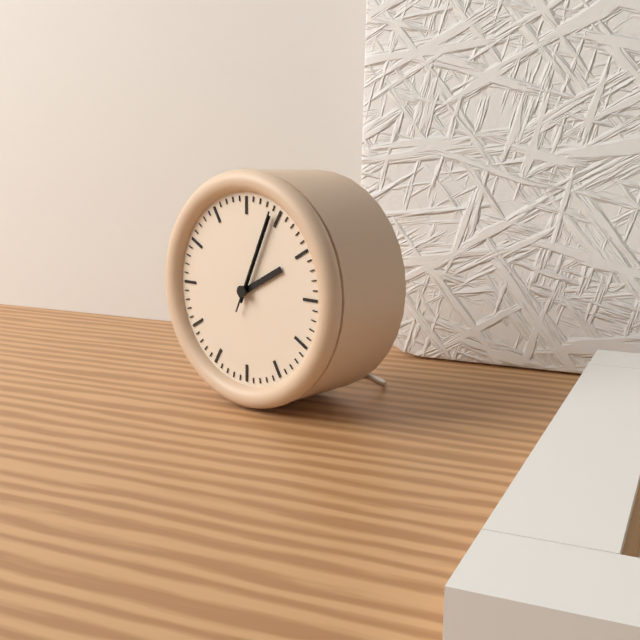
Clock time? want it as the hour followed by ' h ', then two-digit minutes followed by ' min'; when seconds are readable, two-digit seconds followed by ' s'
2 h 04 min 04 s
